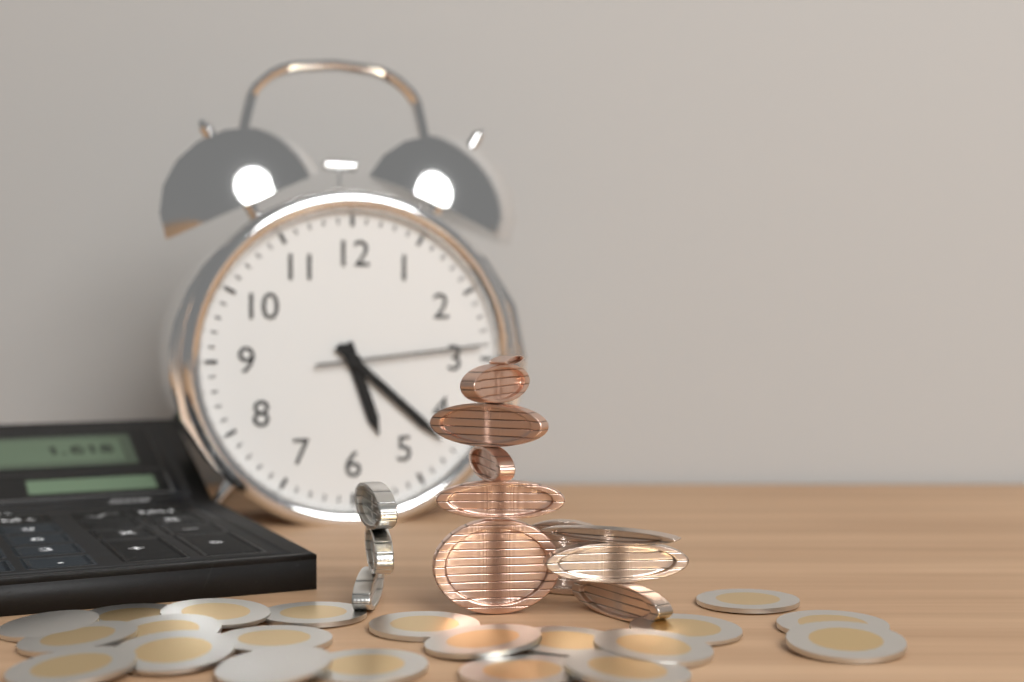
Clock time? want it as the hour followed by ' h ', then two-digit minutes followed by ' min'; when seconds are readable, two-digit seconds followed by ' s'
5 h 22 min 14 s
